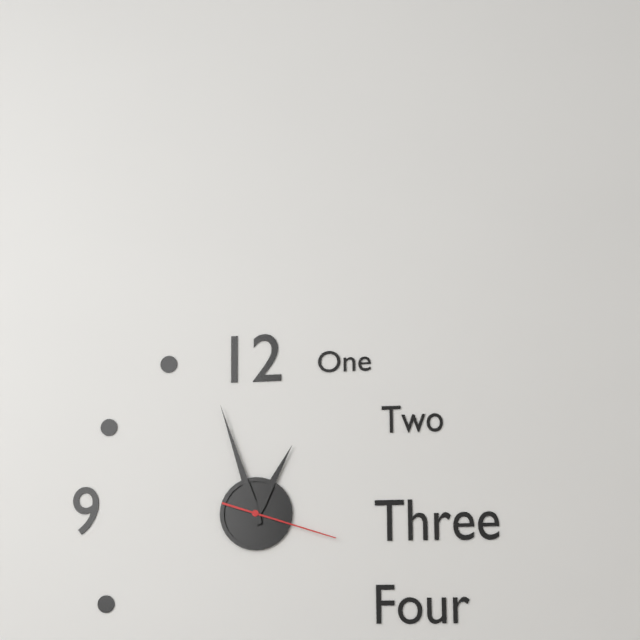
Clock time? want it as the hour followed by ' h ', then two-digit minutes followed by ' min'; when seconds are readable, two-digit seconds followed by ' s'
12 h 57 min 18 s
